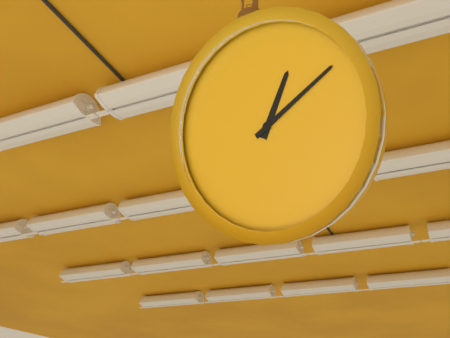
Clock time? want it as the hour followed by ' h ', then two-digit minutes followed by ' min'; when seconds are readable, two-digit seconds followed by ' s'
1 h 11 min
